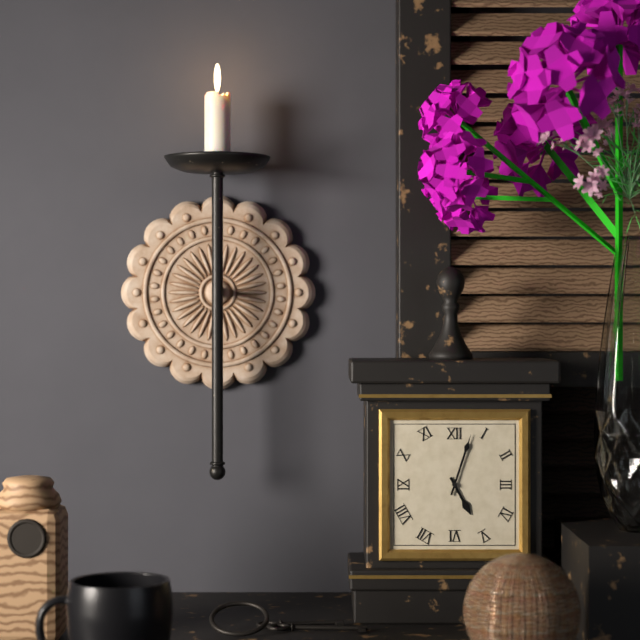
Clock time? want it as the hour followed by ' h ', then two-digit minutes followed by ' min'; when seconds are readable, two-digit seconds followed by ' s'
5 h 03 min
